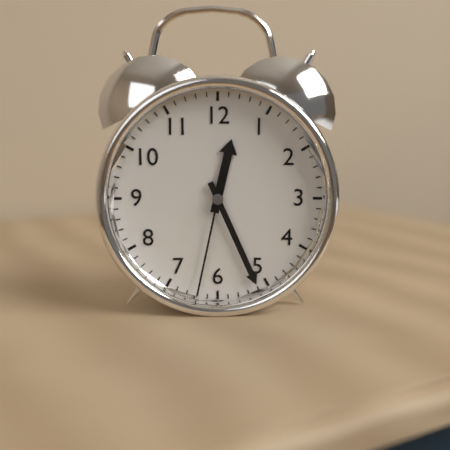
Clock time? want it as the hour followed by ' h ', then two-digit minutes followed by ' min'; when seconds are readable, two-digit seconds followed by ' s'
12 h 26 min 32 s
